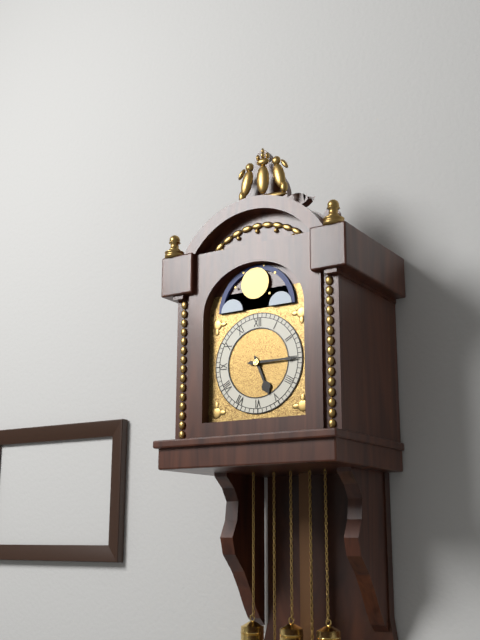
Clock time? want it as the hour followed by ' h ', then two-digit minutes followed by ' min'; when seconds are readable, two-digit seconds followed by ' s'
5 h 15 min
